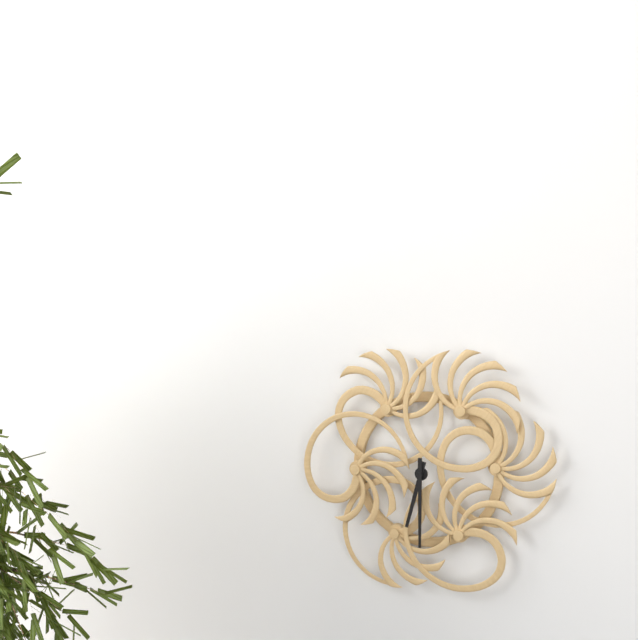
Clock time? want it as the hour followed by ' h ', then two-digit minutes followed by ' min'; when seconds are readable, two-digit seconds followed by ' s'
6 h 30 min
